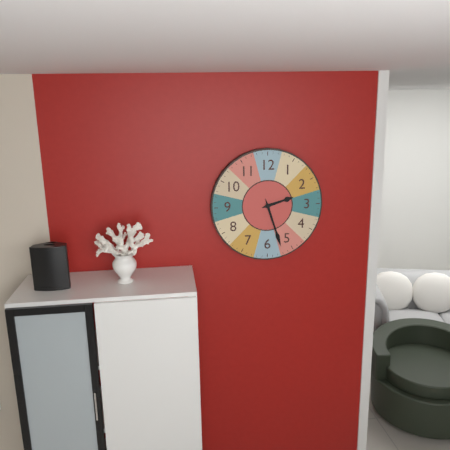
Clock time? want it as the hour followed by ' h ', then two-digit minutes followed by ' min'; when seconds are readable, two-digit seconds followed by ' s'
2 h 27 min
